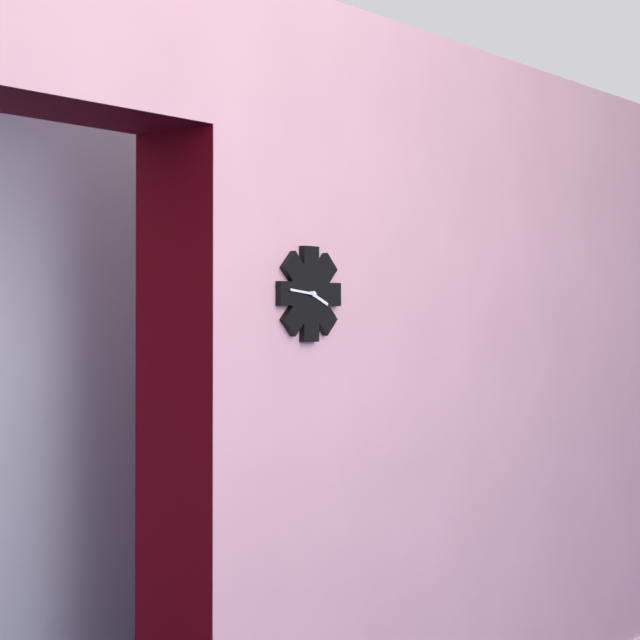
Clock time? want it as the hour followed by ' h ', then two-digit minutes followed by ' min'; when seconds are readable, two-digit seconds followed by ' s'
3 h 46 min
